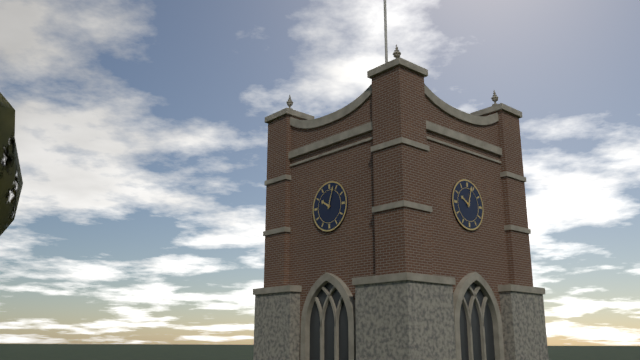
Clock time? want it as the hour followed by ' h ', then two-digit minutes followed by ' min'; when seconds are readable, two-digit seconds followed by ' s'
10 h 03 min
